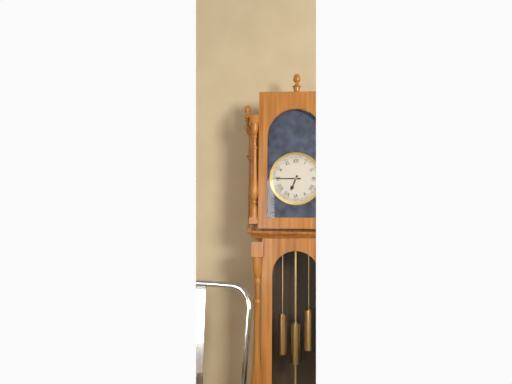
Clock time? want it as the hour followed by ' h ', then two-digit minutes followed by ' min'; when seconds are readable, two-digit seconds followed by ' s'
6 h 45 min
